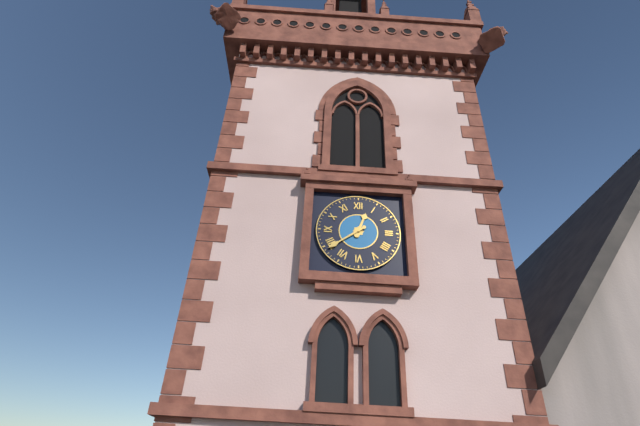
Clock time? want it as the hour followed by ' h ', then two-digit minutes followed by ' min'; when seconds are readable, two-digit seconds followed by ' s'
12 h 39 min
